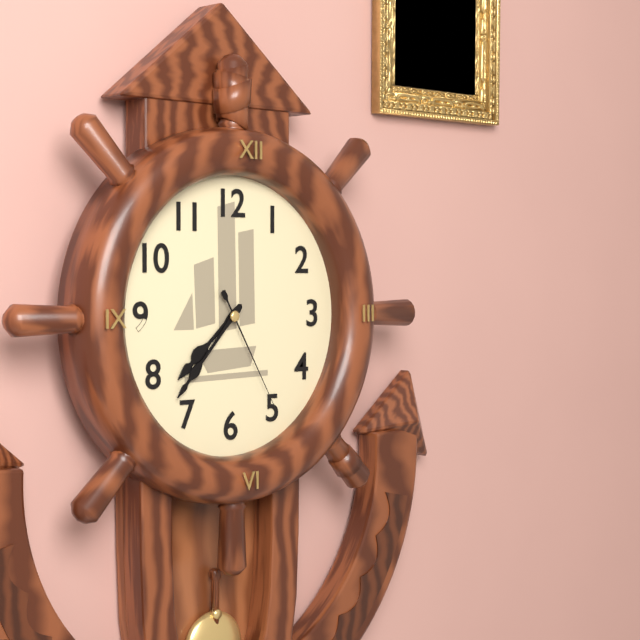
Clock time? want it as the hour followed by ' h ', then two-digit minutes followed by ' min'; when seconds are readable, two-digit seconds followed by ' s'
7 h 37 min 25 s
